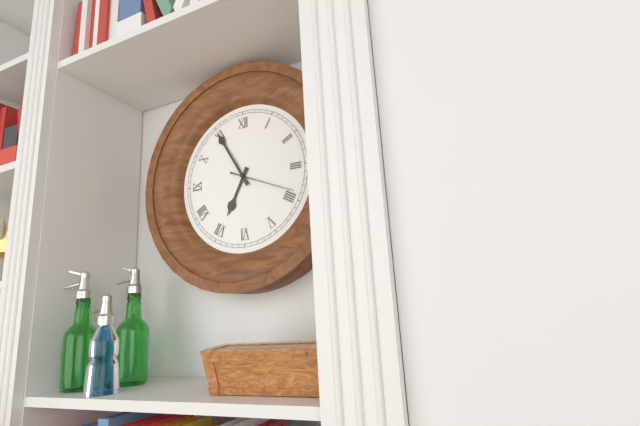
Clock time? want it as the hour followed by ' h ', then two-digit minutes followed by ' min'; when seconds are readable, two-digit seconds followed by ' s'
6 h 55 min 19 s
